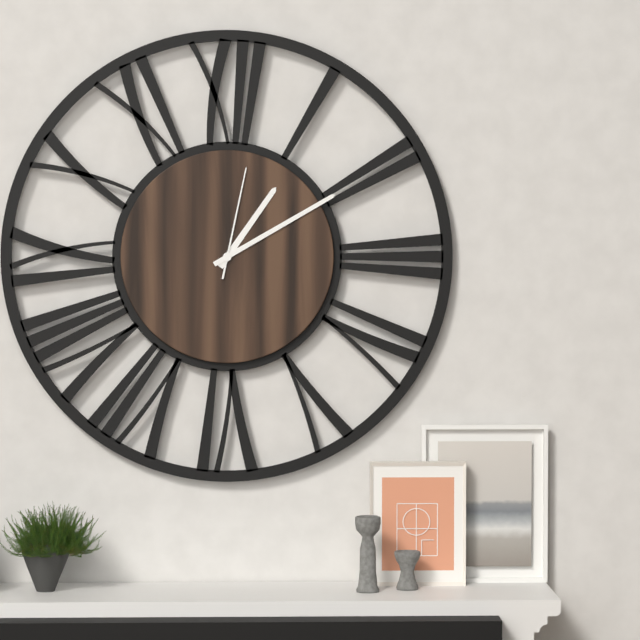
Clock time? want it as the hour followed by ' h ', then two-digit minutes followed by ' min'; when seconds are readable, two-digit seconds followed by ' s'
1 h 10 min 02 s
